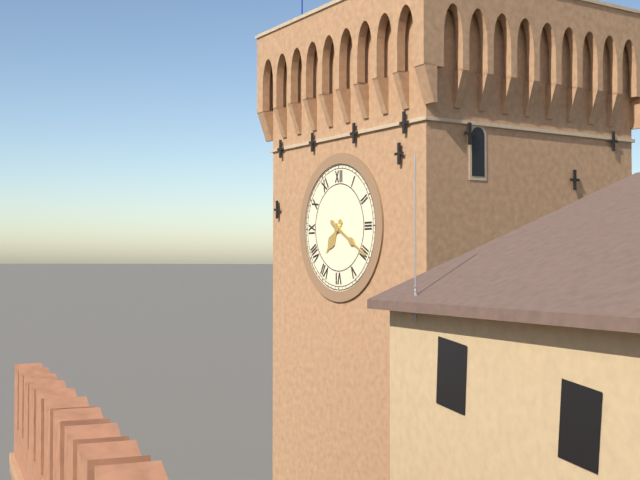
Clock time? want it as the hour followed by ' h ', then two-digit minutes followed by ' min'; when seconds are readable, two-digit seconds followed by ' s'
7 h 20 min
